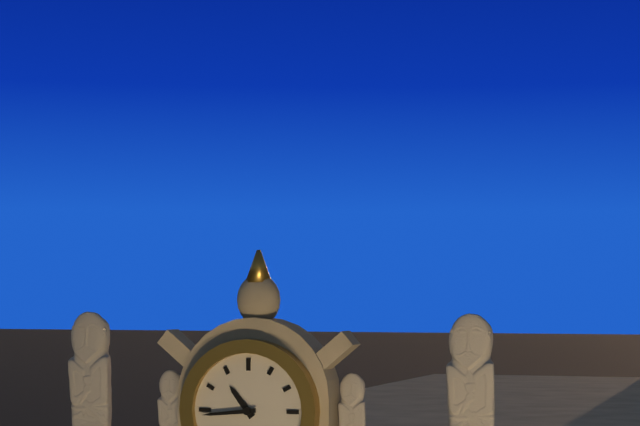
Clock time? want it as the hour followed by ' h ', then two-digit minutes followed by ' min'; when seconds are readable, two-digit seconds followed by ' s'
10 h 44 min
